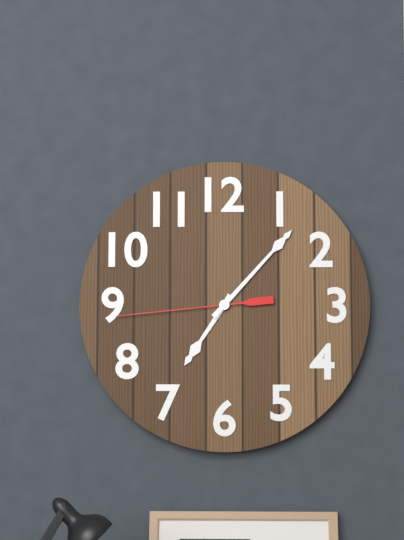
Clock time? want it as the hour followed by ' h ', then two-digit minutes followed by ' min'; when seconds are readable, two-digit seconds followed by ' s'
7 h 07 min 44 s
